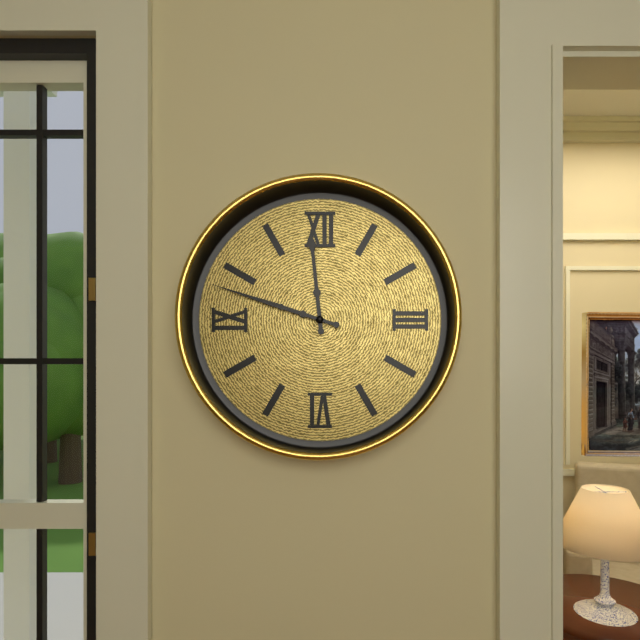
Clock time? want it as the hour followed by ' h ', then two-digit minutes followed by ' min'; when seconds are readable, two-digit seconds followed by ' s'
11 h 48 min
